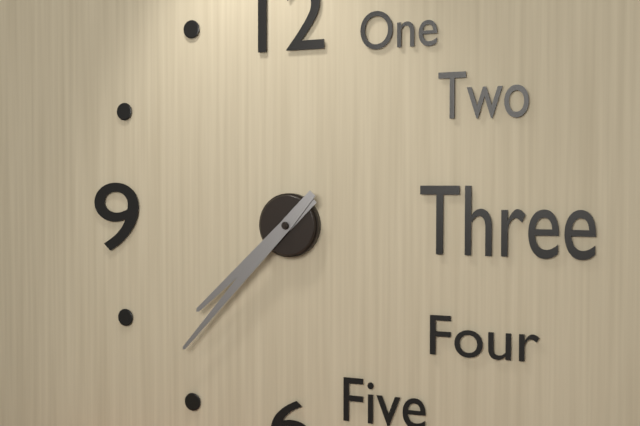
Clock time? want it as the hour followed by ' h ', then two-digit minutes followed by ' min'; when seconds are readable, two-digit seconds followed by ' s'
7 h 37 min
